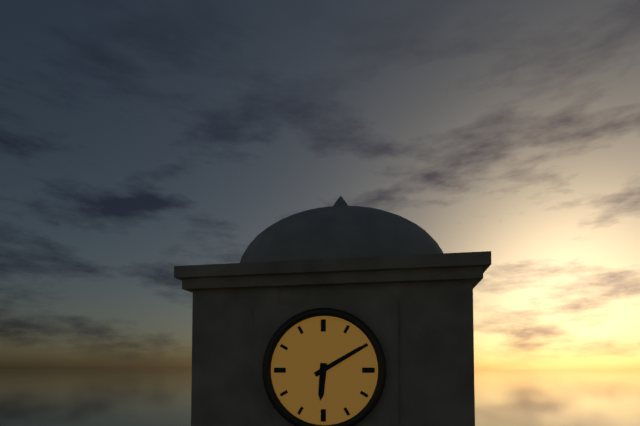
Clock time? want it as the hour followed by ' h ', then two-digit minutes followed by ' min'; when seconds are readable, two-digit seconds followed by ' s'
6 h 10 min
